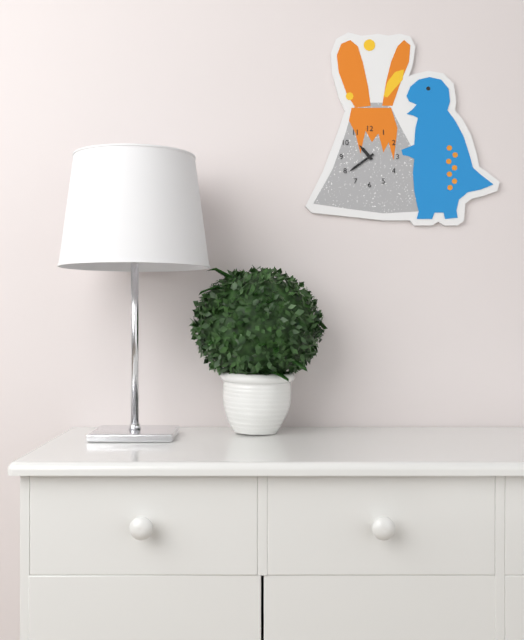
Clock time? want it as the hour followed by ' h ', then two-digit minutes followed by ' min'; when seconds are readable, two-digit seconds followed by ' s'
10 h 39 min
